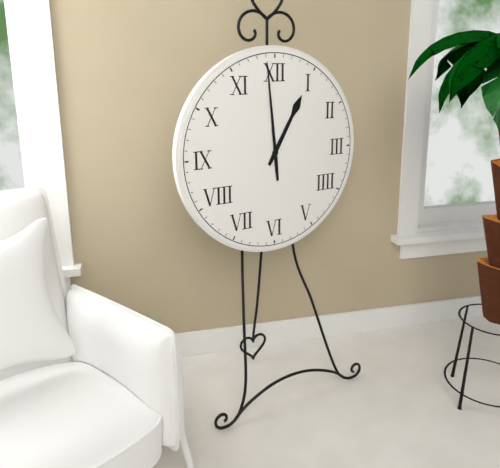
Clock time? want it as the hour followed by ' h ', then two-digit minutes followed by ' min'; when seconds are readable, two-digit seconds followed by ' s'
12 h 59 min
